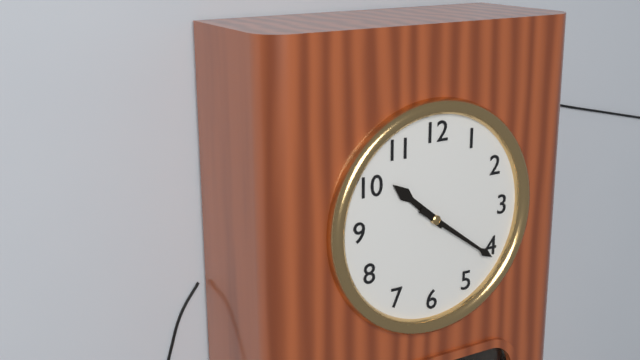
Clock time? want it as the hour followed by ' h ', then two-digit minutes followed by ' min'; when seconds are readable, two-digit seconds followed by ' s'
10 h 21 min
